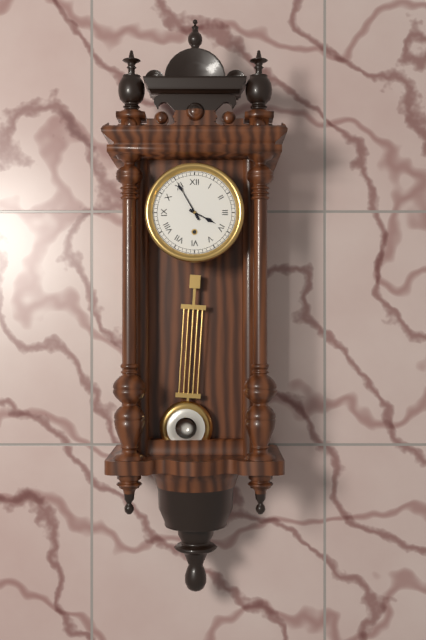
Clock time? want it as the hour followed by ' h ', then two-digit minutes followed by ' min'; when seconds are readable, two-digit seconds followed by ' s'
3 h 55 min
